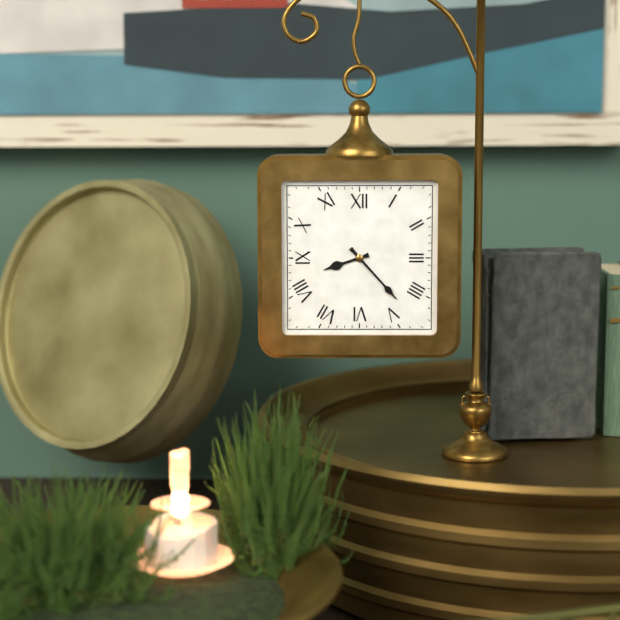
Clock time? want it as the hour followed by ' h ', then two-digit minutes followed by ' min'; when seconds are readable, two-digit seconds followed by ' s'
8 h 23 min
